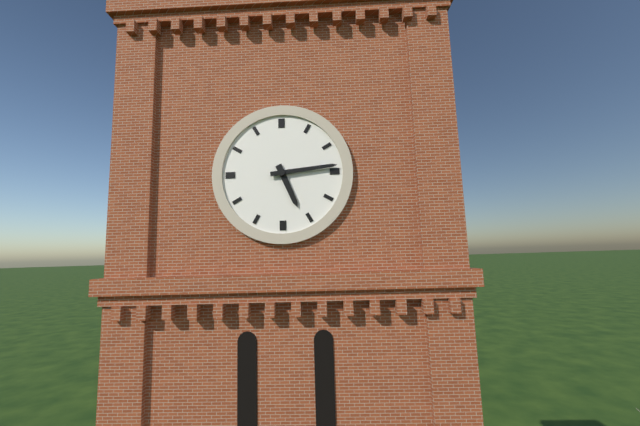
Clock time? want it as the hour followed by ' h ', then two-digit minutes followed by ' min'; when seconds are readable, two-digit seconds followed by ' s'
5 h 14 min
